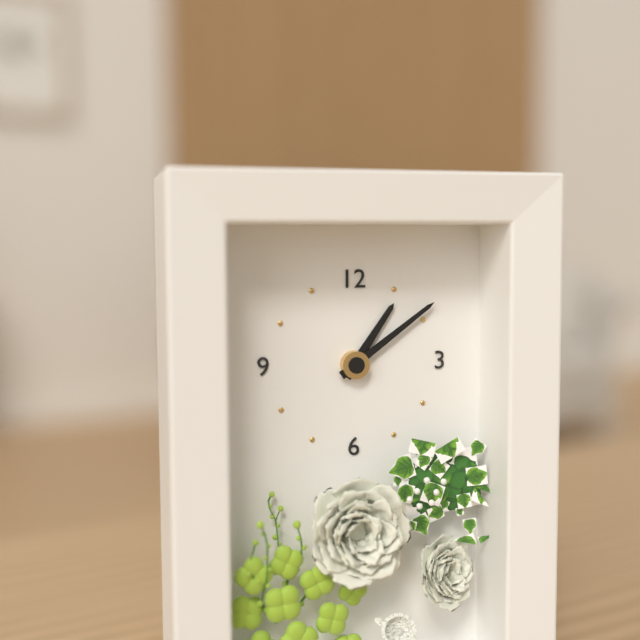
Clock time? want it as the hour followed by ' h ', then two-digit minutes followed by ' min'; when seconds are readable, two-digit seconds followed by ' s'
1 h 09 min
